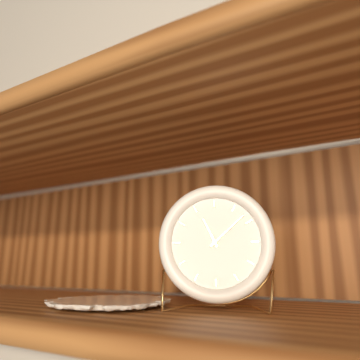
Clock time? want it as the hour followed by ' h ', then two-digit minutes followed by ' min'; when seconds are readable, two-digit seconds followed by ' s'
11 h 08 min
